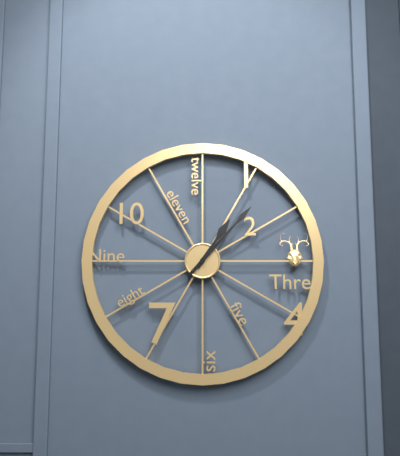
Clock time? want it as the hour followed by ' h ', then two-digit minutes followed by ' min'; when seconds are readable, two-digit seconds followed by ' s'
1 h 07 min
